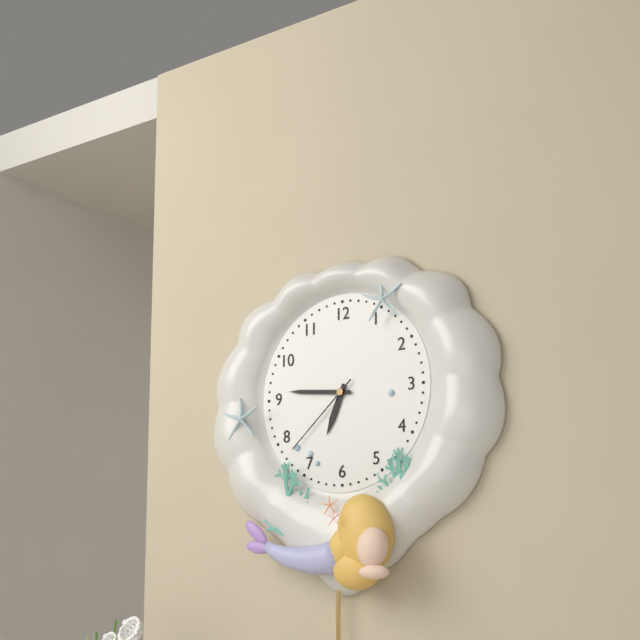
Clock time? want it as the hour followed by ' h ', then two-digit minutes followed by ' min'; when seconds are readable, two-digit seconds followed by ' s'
6 h 46 min 38 s
